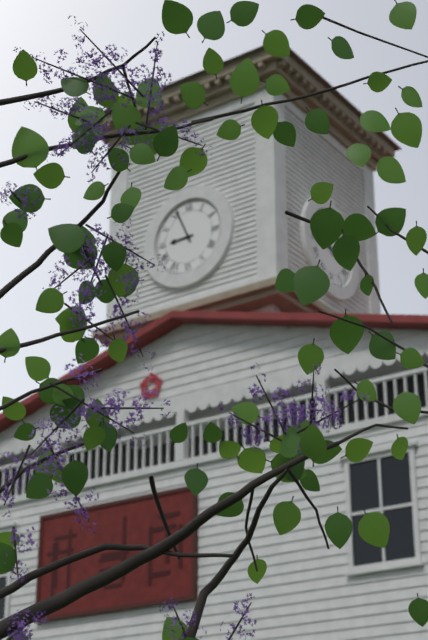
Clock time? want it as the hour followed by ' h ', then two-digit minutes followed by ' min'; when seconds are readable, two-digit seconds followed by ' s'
8 h 56 min
